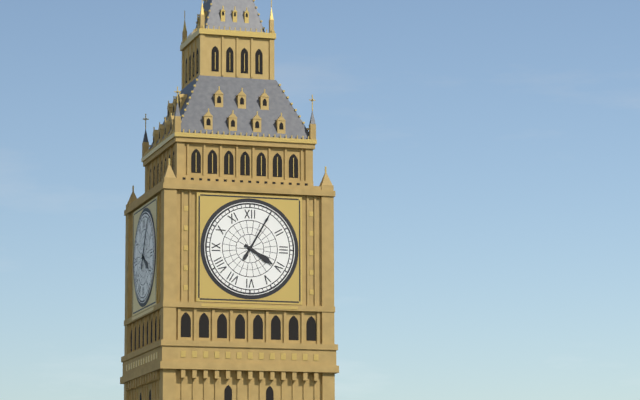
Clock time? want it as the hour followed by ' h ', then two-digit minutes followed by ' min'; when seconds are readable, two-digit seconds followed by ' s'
4 h 05 min
